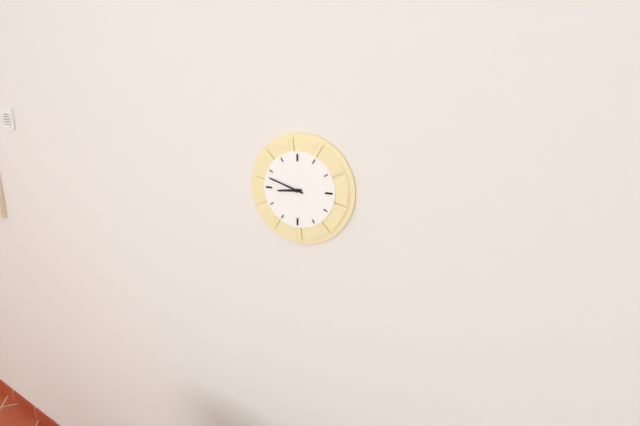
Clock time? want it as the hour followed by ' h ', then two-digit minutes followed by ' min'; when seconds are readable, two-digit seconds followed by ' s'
8 h 48 min
